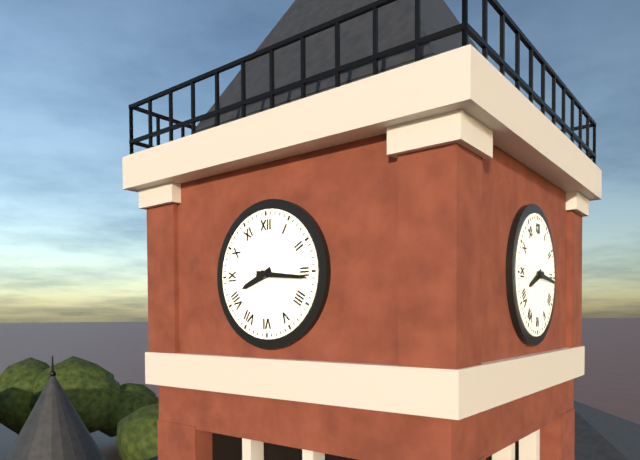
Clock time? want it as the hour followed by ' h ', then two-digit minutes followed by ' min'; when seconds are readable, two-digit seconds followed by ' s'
8 h 16 min
